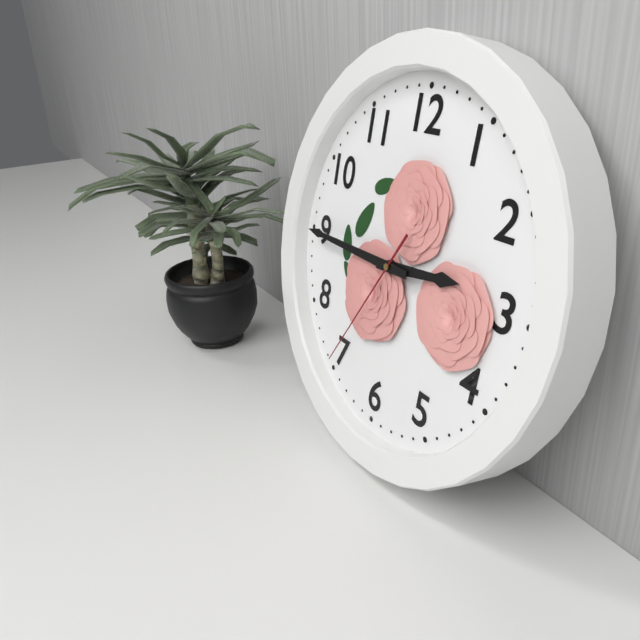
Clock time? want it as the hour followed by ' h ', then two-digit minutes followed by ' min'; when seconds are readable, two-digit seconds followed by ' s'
2 h 45 min 35 s
